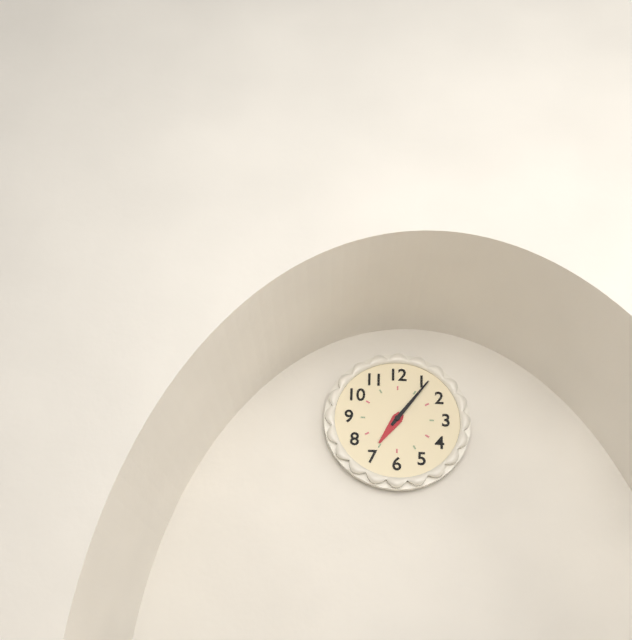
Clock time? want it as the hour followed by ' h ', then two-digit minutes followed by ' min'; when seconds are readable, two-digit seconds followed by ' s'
7 h 06 min
